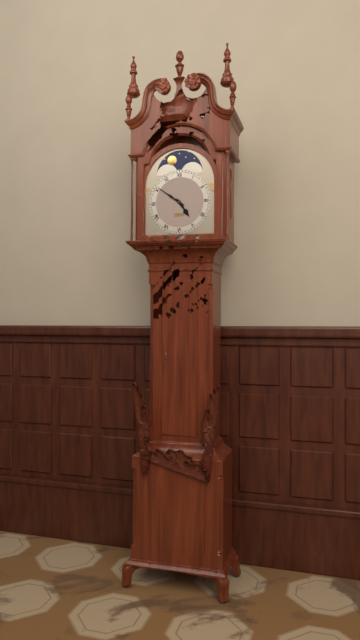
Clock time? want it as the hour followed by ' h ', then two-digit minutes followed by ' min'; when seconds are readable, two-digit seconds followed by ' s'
4 h 51 min
